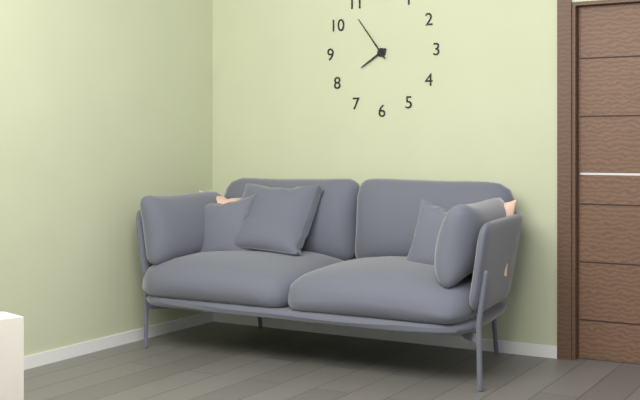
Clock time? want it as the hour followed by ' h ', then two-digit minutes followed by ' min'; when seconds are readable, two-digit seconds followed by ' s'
7 h 54 min
